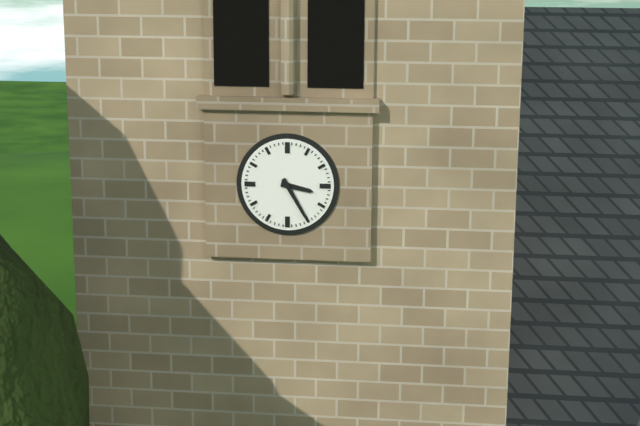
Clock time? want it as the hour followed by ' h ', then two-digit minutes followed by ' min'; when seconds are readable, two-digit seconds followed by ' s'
3 h 25 min
